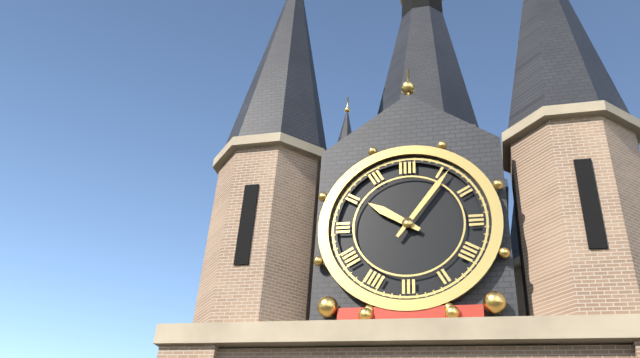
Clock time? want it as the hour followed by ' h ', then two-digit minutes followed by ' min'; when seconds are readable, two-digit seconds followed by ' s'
10 h 06 min
